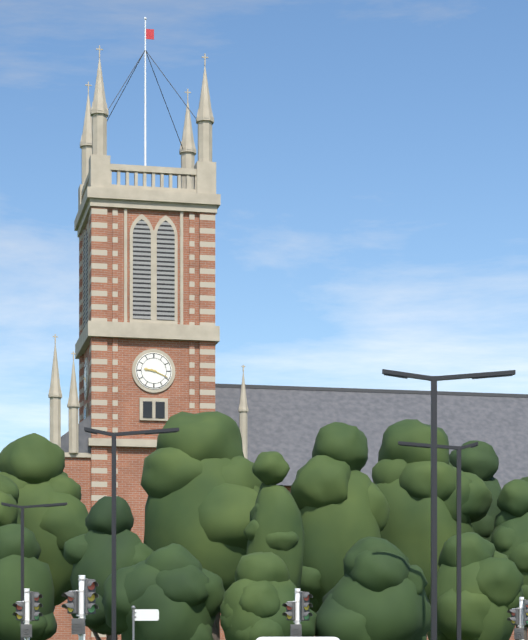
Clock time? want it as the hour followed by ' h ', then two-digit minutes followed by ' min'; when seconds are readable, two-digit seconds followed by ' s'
9 h 19 min
